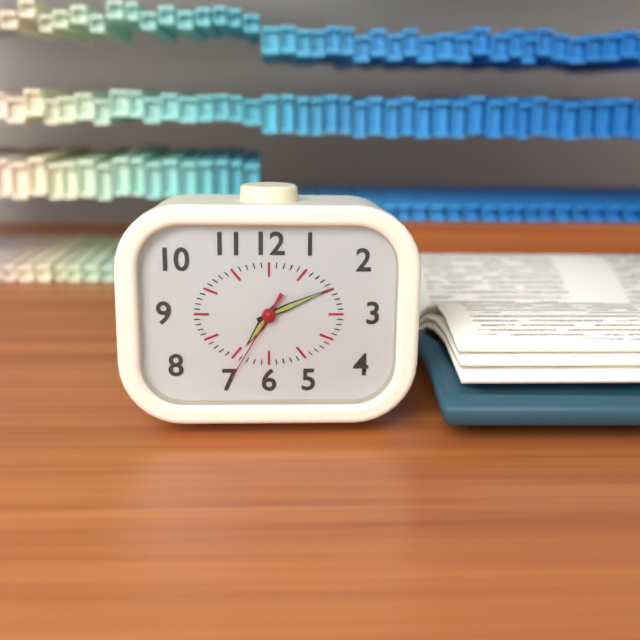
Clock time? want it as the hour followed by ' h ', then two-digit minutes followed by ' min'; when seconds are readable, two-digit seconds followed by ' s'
7 h 11 min 35 s
